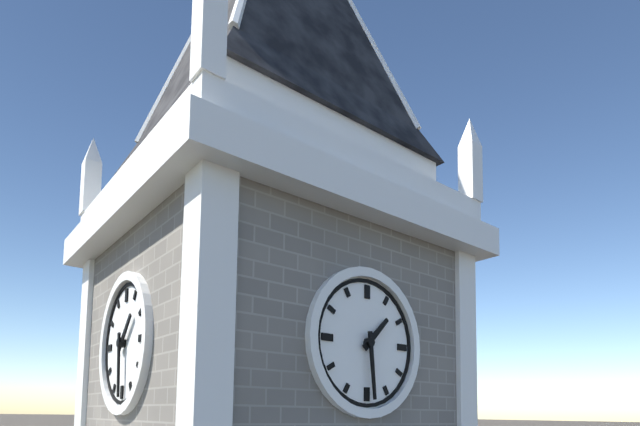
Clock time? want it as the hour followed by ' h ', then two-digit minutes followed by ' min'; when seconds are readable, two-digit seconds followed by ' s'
1 h 29 min
